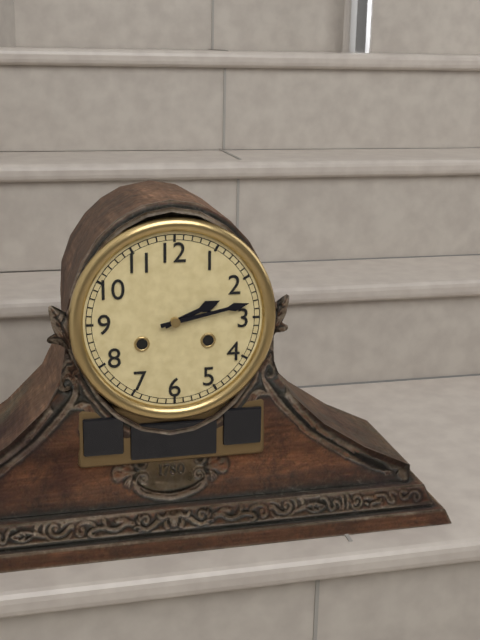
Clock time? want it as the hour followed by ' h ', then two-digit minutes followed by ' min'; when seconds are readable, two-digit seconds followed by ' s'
2 h 13 min
